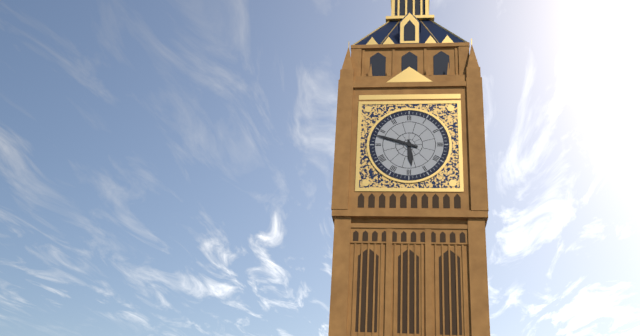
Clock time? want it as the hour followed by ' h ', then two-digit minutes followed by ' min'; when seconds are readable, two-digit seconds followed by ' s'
5 h 48 min
